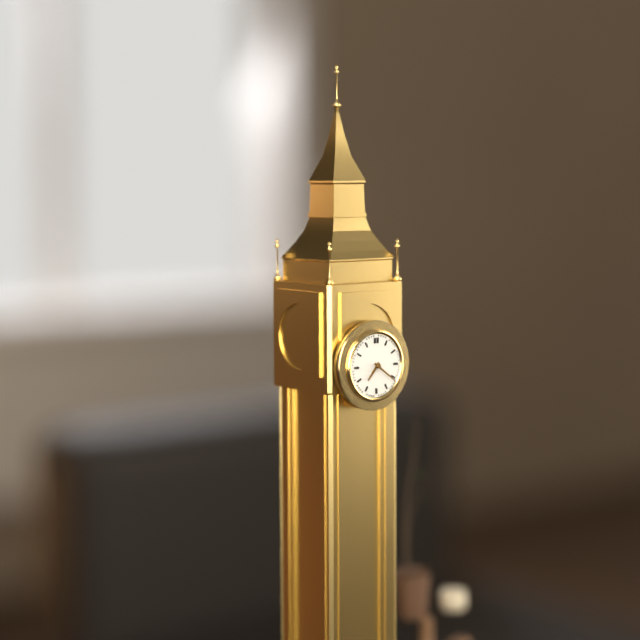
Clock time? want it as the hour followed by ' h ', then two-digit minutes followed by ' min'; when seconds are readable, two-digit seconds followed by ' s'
7 h 21 min
